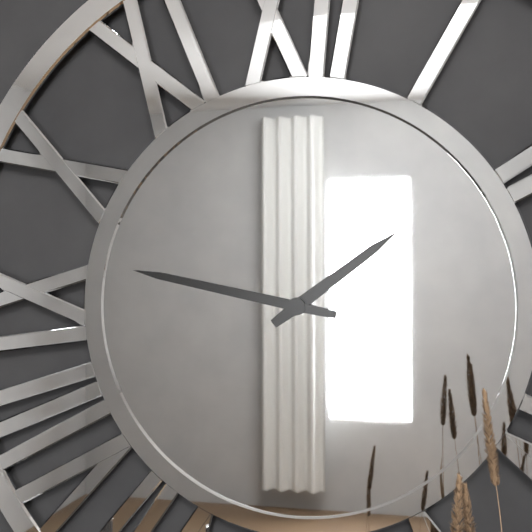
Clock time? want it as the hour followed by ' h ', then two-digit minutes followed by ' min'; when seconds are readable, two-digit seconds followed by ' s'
1 h 47 min
